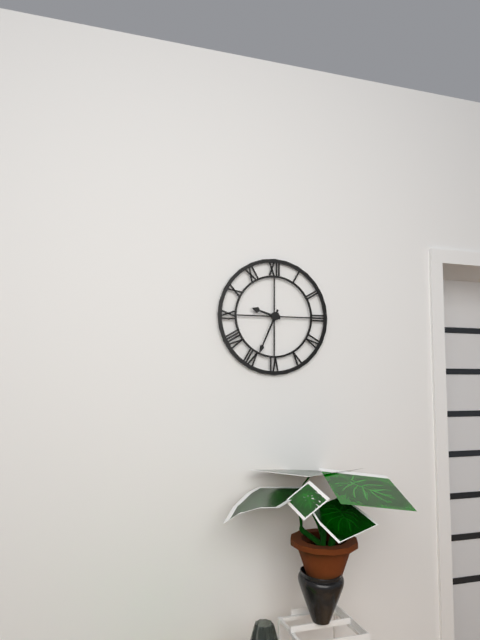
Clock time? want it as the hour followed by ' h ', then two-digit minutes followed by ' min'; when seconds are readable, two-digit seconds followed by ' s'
9 h 34 min
